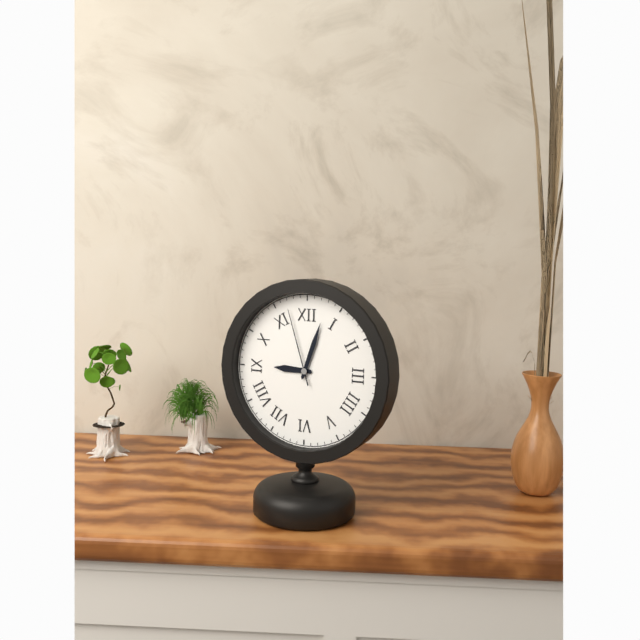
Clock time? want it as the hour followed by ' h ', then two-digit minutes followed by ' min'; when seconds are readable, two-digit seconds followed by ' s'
9 h 03 min 57 s
